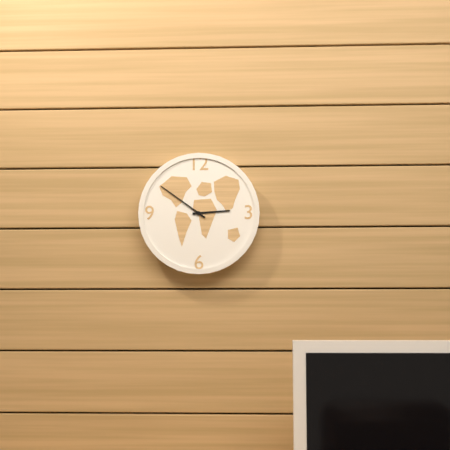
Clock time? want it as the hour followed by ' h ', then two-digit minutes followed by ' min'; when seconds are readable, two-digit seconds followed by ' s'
2 h 51 min
